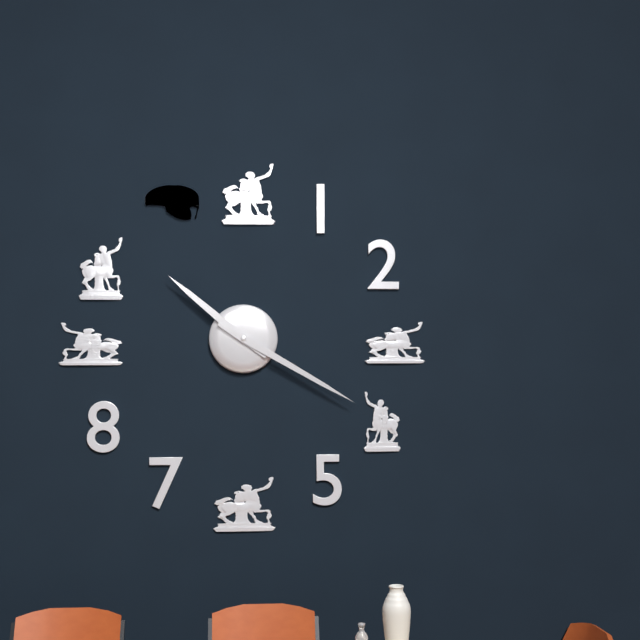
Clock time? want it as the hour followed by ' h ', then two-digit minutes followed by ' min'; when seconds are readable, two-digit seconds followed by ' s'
10 h 20 min
